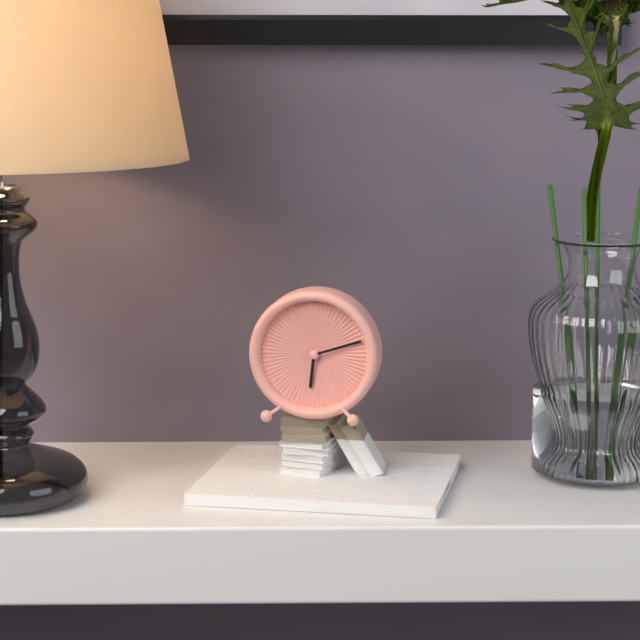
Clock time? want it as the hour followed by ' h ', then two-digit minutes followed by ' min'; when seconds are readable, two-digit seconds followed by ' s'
6 h 12 min
